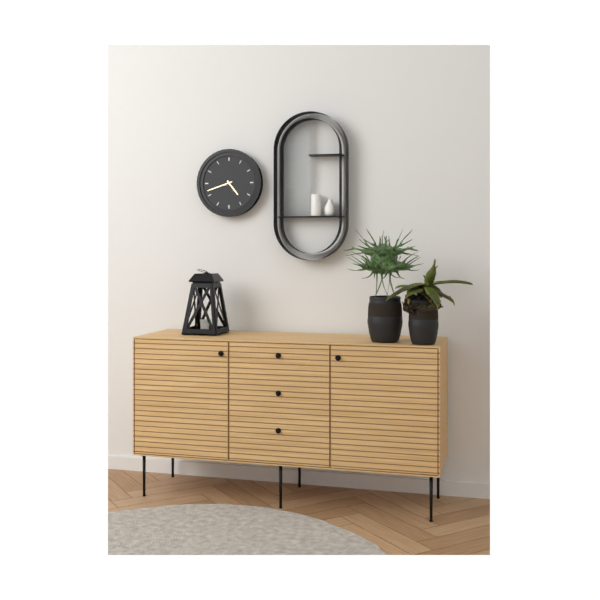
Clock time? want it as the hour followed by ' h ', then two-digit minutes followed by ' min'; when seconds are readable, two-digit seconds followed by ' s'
4 h 42 min
